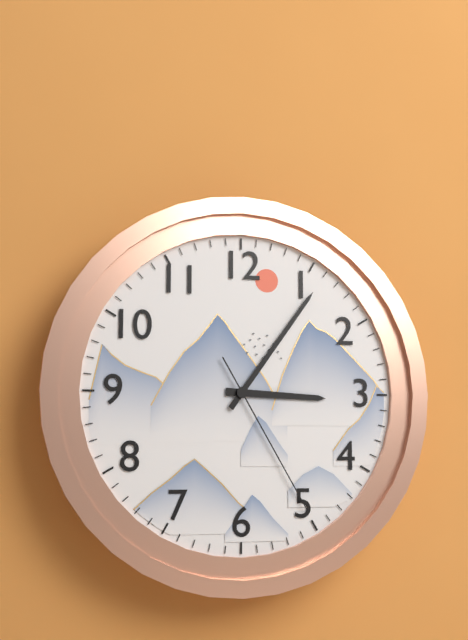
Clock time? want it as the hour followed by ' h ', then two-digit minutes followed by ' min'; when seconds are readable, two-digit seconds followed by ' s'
3 h 06 min 25 s
